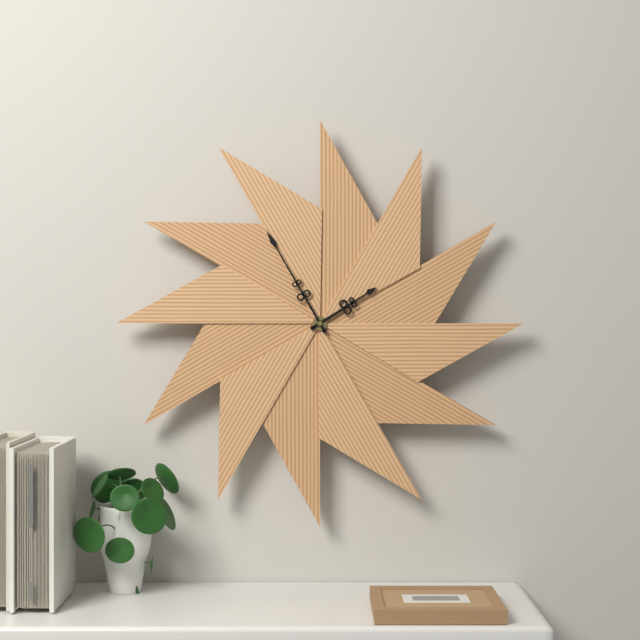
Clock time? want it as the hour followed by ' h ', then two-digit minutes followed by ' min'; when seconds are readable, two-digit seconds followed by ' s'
1 h 55 min
